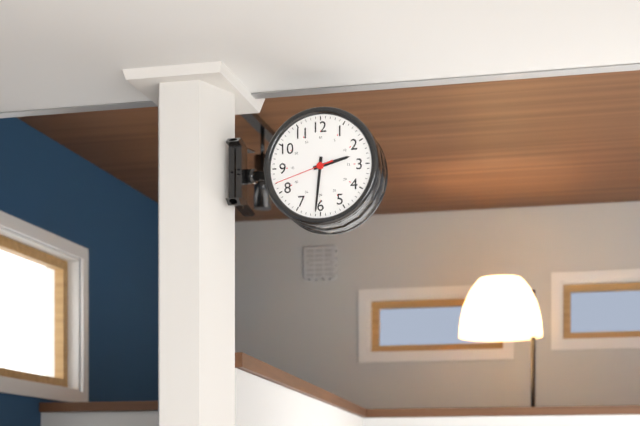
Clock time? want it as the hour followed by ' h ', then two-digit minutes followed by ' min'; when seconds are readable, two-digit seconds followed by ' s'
2 h 31 min 42 s
